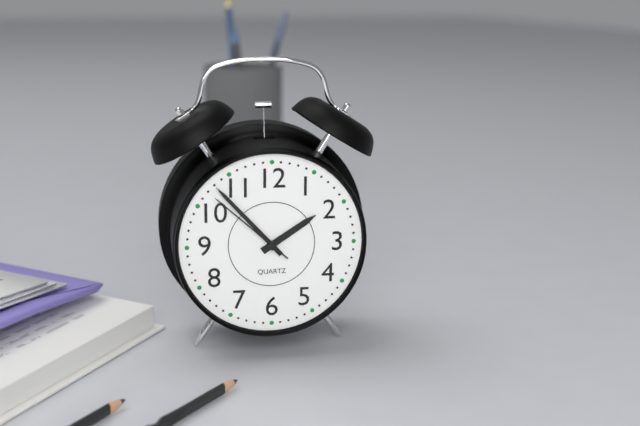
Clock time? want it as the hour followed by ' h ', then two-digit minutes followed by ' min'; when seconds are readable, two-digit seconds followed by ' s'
1 h 53 min 52 s
